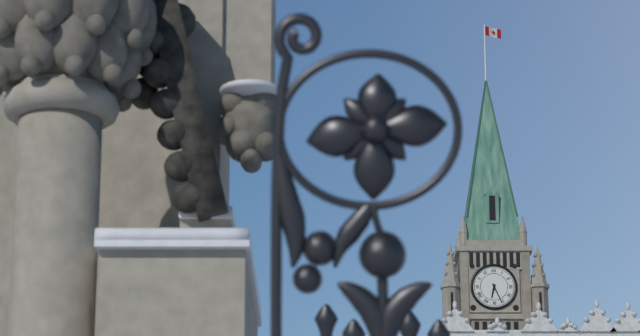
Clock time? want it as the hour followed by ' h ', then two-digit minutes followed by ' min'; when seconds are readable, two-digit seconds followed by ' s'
6 h 26 min
